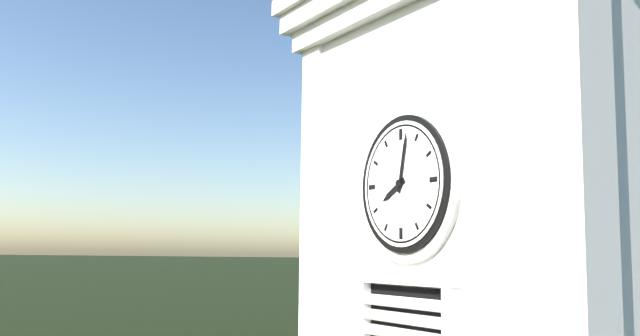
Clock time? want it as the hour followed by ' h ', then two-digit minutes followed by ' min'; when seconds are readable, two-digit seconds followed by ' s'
8 h 02 min
